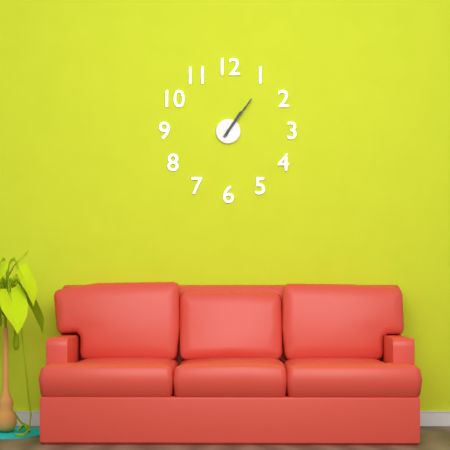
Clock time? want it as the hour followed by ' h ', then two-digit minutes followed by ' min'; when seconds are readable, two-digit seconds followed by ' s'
1 h 06 min
